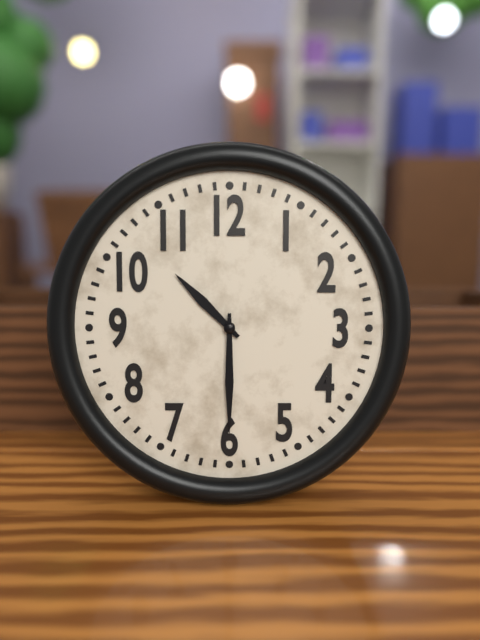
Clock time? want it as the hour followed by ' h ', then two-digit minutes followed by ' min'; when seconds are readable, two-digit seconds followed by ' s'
10 h 30 min
